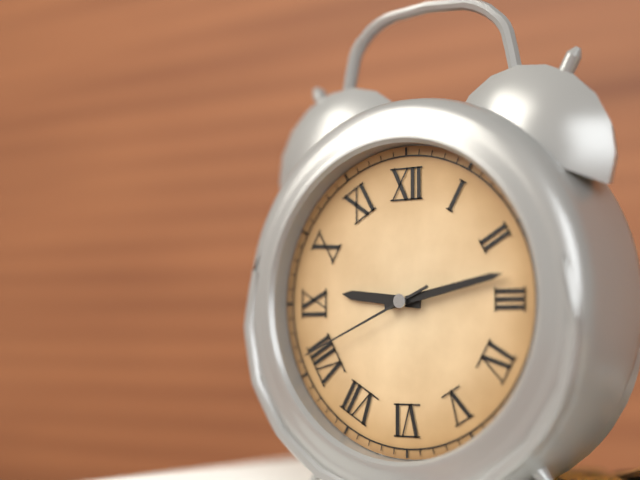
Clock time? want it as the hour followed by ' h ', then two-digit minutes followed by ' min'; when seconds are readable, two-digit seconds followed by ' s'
9 h 13 min 41 s
